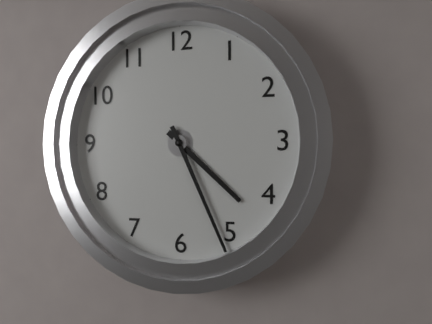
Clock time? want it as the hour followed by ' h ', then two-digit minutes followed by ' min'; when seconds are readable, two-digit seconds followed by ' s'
4 h 26 min
